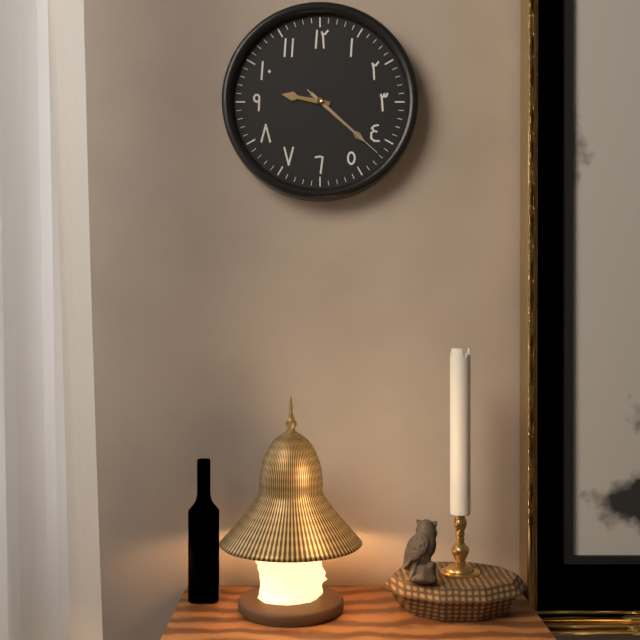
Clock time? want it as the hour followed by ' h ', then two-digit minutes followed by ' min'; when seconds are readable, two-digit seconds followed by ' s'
9 h 22 min 22 s
